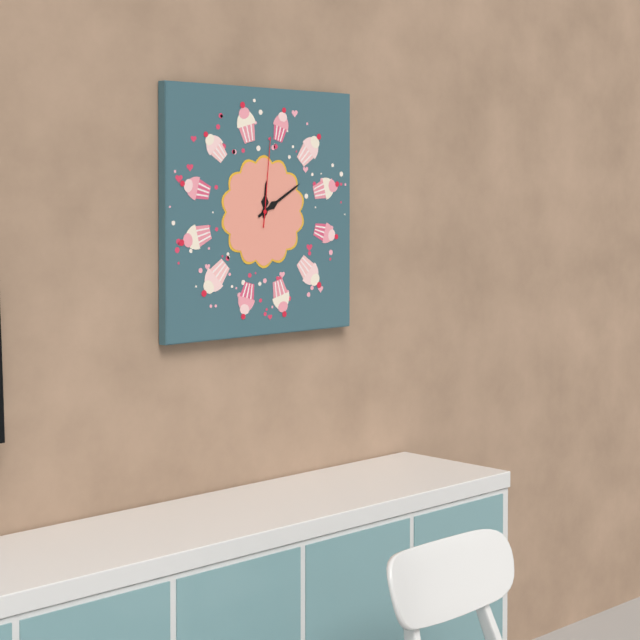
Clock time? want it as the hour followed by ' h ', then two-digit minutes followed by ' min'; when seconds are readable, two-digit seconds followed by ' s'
12 h 10 min 01 s
